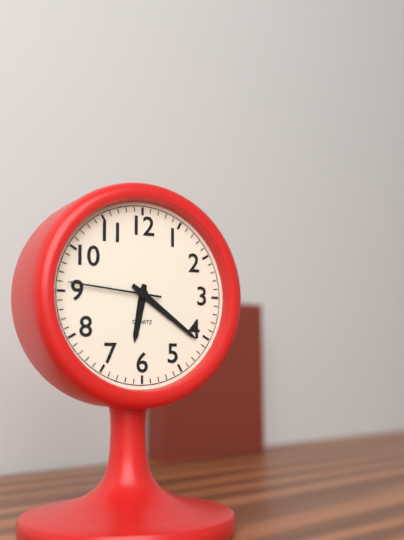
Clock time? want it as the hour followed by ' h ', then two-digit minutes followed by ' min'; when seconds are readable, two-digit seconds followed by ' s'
6 h 21 min 46 s
